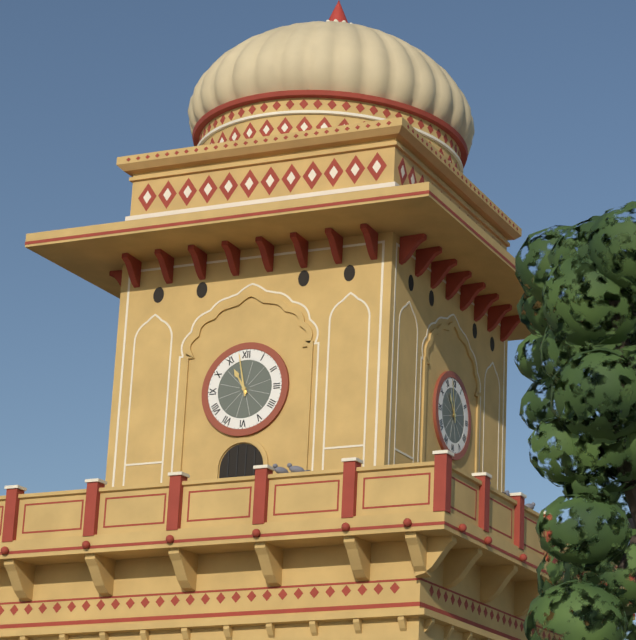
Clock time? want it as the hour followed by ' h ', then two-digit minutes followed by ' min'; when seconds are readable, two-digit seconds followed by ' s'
10 h 58 min
